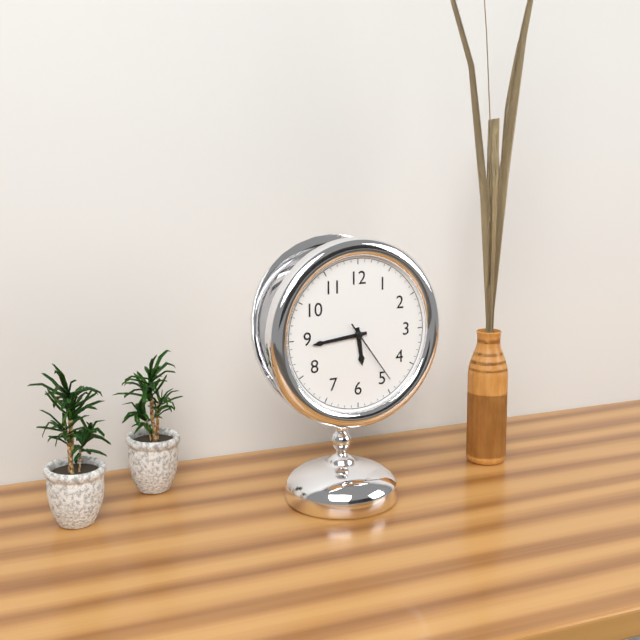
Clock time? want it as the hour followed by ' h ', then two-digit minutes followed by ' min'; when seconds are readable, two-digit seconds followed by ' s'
5 h 44 min 24 s
